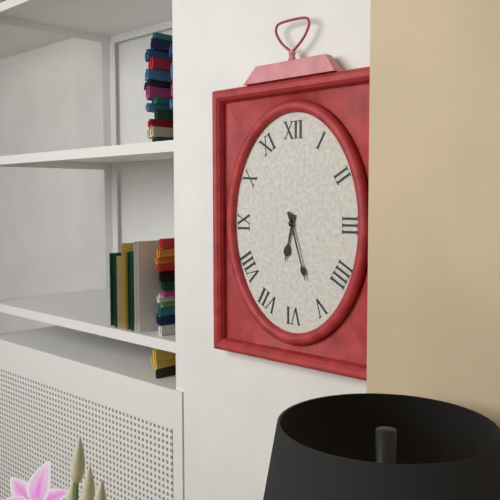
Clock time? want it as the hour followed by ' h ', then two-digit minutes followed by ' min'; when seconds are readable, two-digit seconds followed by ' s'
6 h 27 min
